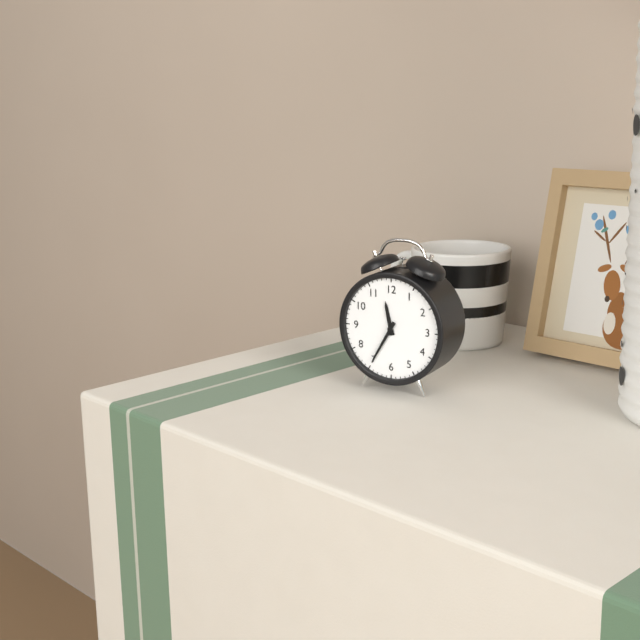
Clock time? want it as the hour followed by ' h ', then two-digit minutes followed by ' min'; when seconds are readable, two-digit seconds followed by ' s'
11 h 35 min
